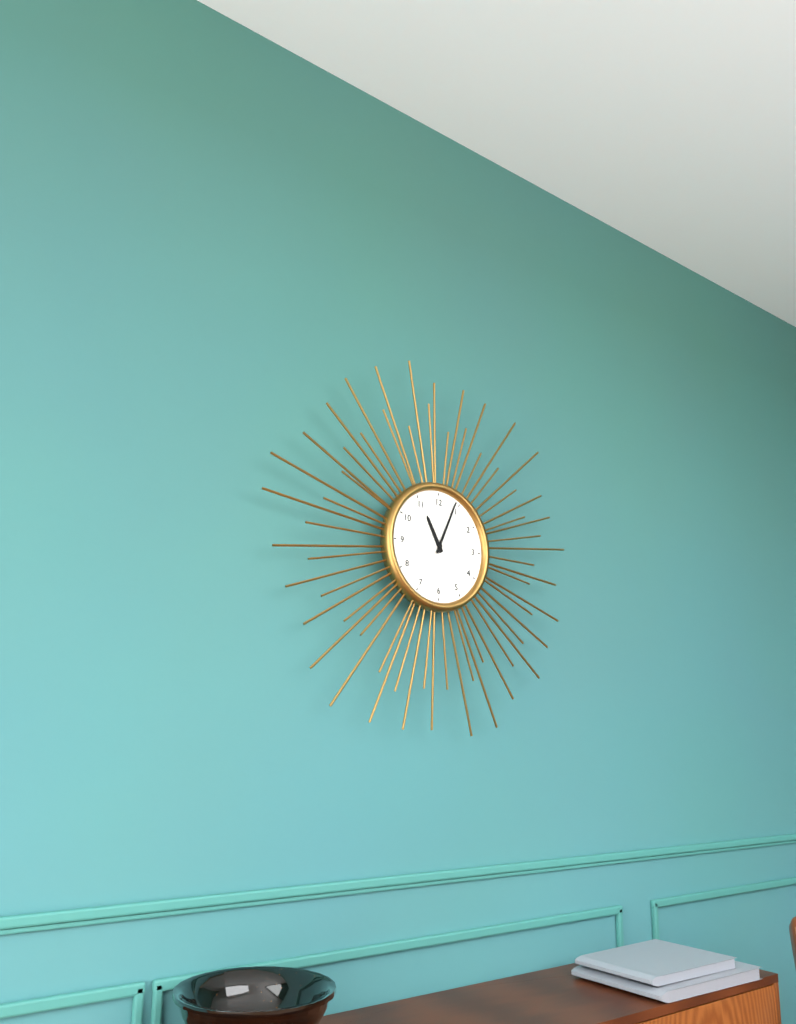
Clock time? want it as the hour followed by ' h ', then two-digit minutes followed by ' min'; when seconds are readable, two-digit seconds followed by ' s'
11 h 04 min
